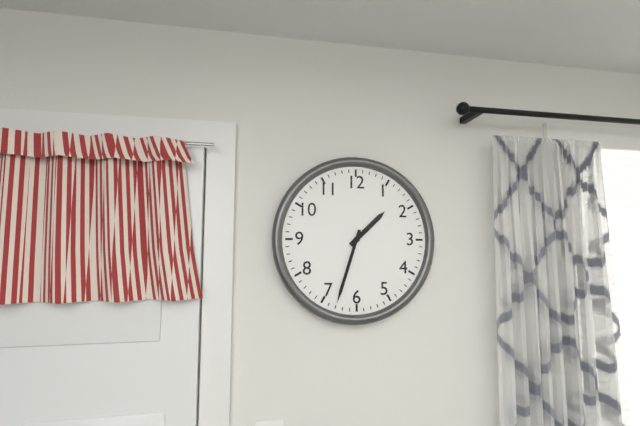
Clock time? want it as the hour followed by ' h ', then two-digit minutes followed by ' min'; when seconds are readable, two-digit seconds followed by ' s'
1 h 33 min
